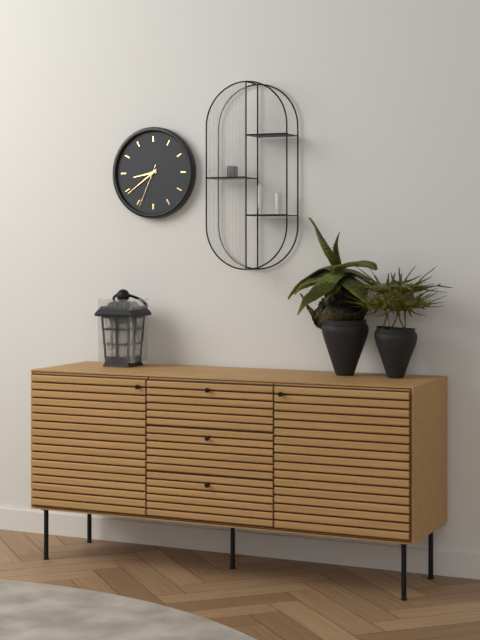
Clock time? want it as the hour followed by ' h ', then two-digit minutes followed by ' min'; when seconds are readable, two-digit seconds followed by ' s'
8 h 39 min
